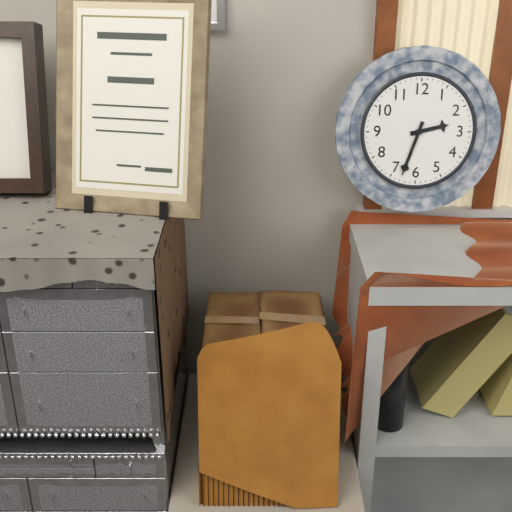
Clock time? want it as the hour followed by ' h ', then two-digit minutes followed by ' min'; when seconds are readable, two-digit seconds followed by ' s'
2 h 33 min
